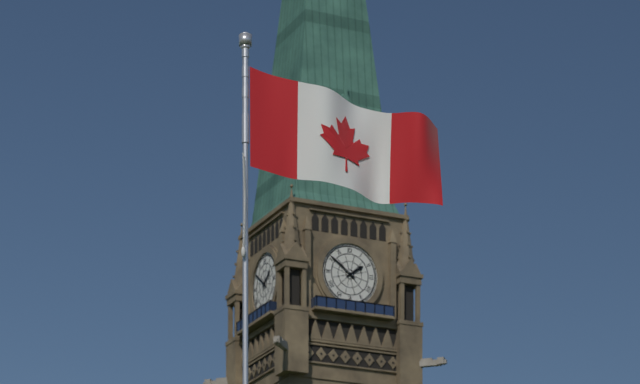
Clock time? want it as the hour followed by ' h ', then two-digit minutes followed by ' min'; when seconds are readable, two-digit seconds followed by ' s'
1 h 51 min
